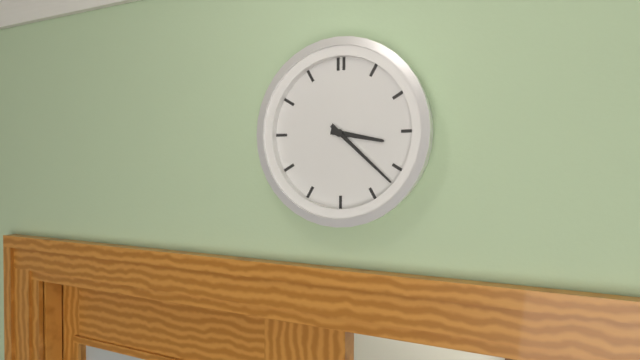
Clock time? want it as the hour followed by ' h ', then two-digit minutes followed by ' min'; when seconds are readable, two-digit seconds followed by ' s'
3 h 22 min
